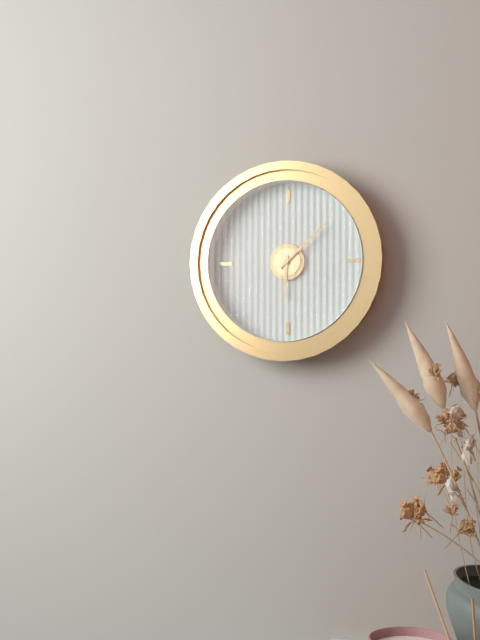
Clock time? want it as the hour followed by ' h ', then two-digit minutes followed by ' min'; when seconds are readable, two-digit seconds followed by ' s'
6 h 08 min
